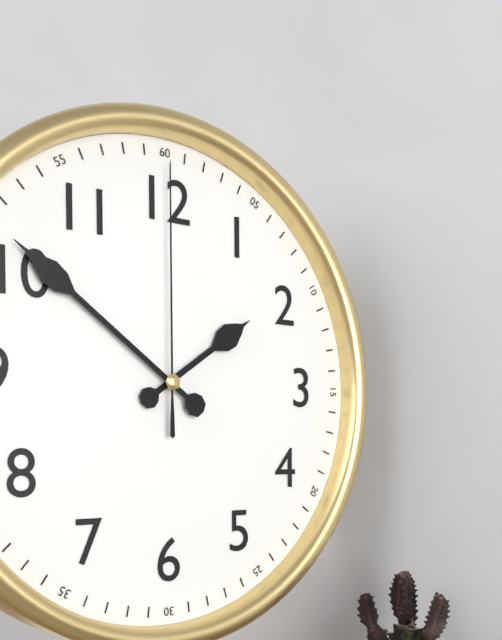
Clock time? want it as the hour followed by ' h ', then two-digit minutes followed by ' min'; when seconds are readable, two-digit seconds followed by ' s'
1 h 51 min 00 s
